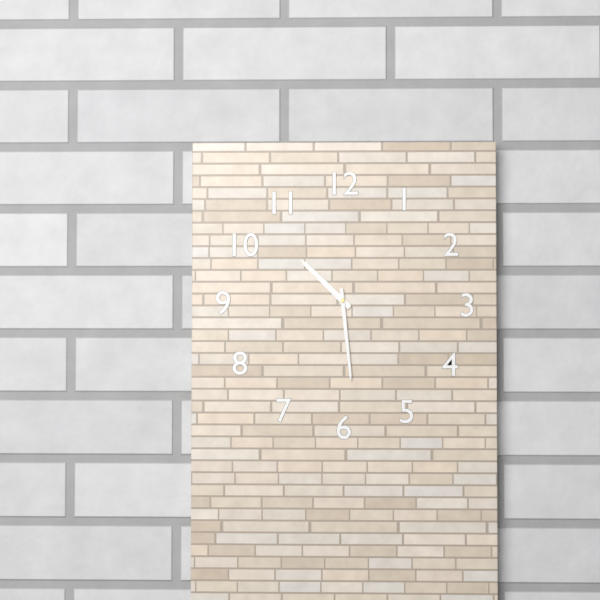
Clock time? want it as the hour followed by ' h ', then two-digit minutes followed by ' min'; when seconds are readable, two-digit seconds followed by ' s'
10 h 29 min
